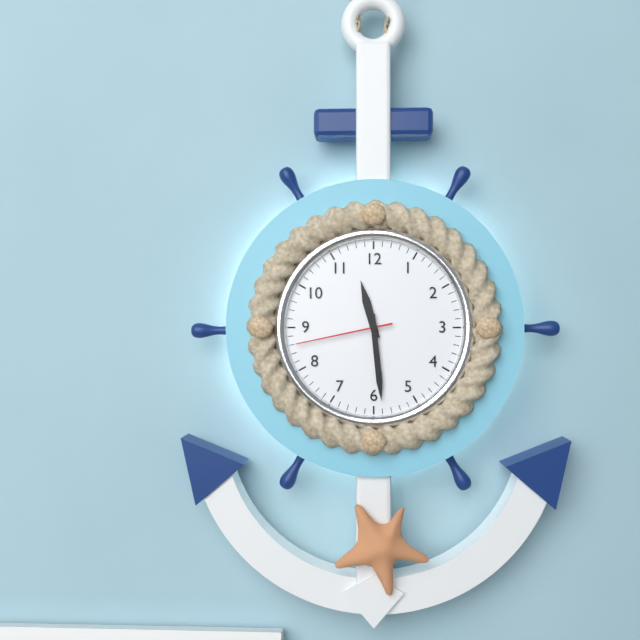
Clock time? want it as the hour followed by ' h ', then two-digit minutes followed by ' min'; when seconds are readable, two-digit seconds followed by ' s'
11 h 29 min 43 s
